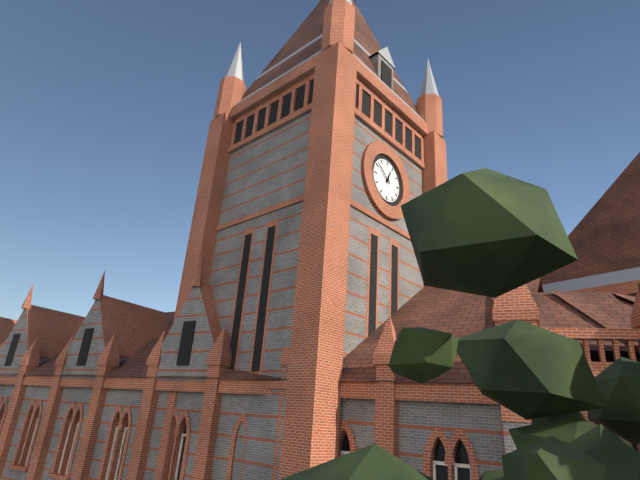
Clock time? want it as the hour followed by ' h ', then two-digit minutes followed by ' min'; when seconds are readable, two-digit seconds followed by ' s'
12 h 51 min
